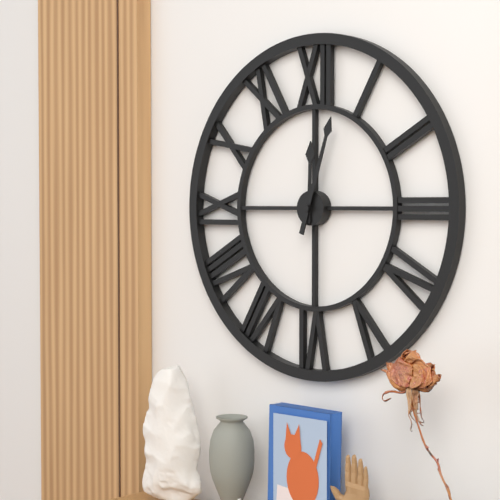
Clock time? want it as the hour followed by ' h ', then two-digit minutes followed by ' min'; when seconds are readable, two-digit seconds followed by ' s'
12 h 03 min
